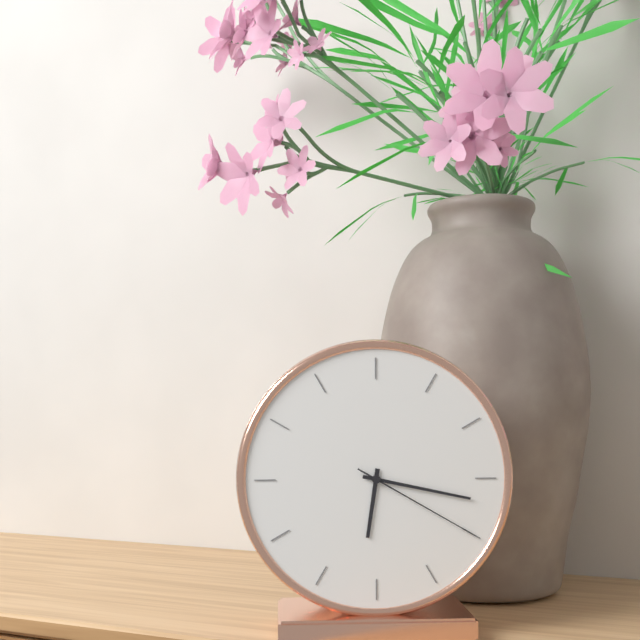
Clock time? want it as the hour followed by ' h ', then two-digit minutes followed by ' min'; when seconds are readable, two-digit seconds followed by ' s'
6 h 17 min 20 s
